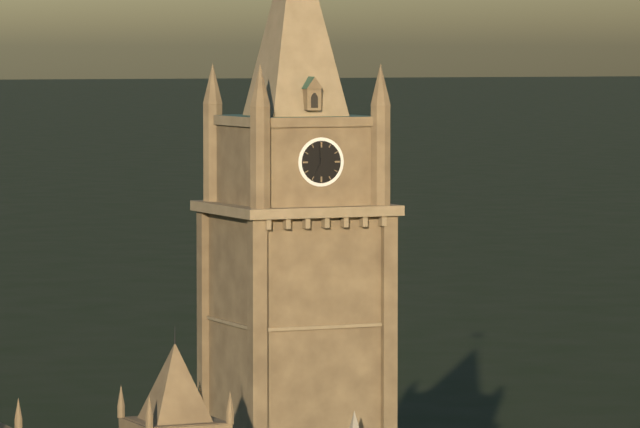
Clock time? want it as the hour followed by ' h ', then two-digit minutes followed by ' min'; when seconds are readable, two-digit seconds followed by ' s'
6 h 59 min
